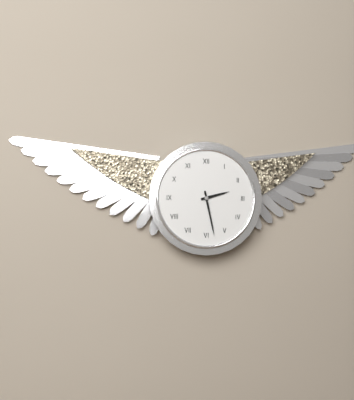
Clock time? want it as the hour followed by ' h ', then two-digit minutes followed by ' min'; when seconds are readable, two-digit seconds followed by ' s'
2 h 28 min
